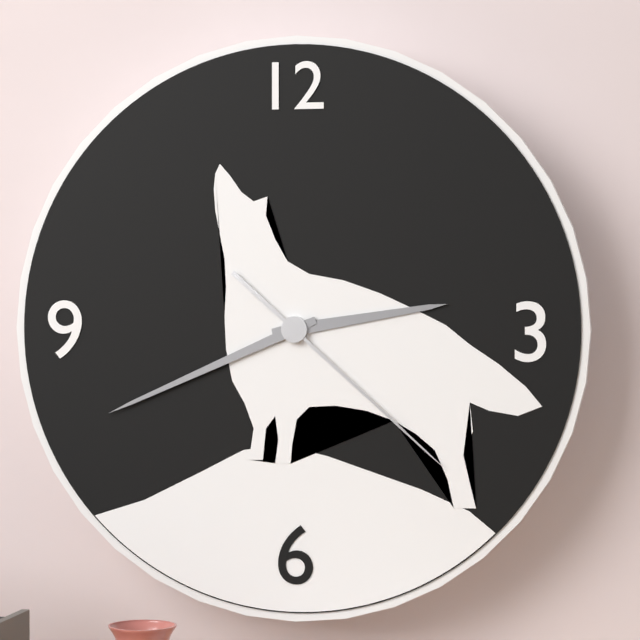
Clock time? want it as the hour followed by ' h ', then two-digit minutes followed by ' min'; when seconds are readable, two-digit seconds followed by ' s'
2 h 41 min 22 s
